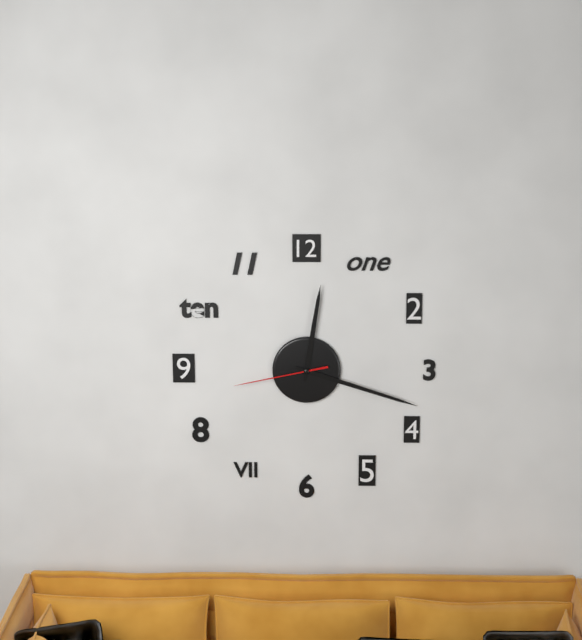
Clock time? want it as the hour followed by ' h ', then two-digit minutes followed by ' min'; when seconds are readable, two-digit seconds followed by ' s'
12 h 18 min 43 s
